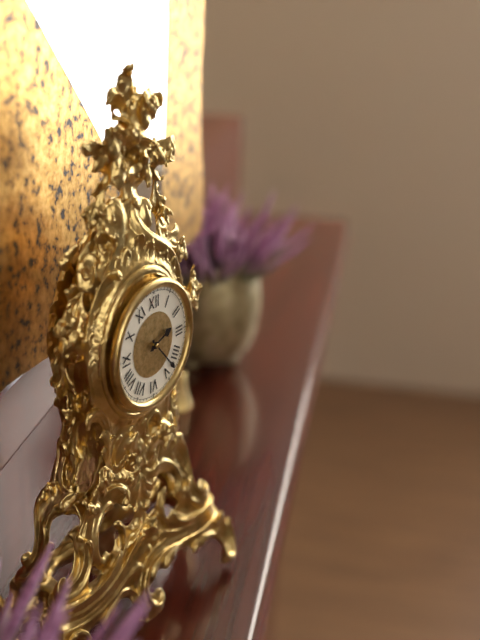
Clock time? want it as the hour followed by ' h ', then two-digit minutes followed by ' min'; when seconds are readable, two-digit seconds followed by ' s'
2 h 23 min
